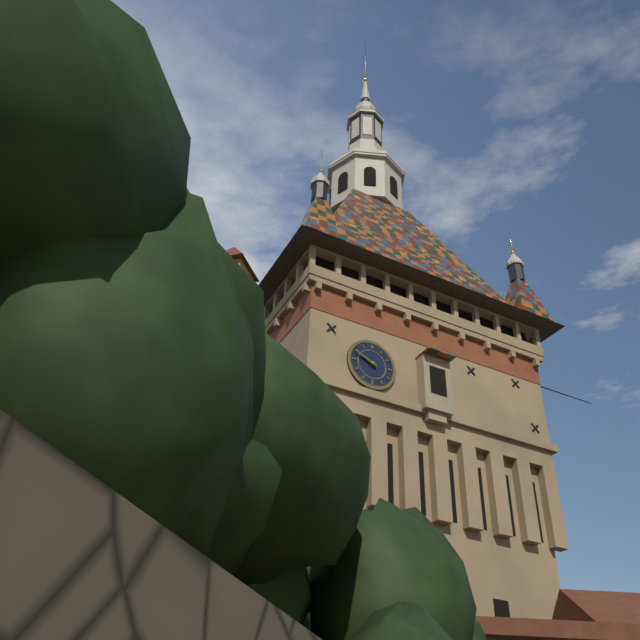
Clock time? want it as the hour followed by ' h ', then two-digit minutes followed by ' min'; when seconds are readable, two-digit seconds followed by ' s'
9 h 49 min
